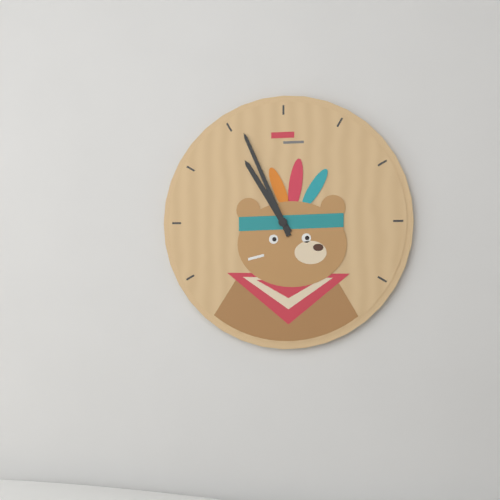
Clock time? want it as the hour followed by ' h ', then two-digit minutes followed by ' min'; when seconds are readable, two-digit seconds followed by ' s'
10 h 56 min
